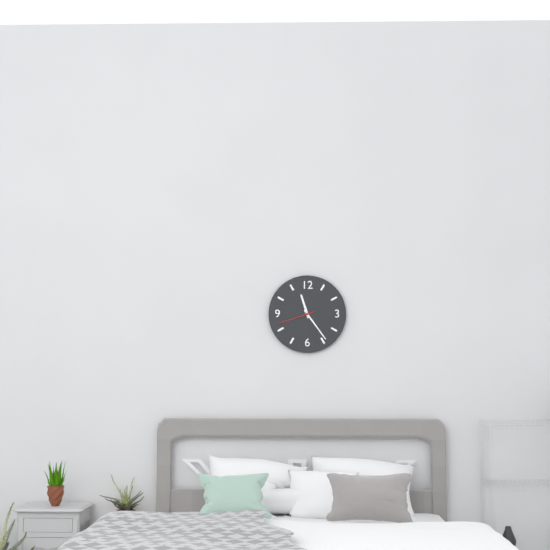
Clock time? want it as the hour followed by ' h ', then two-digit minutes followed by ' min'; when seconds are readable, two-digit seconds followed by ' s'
11 h 24 min
